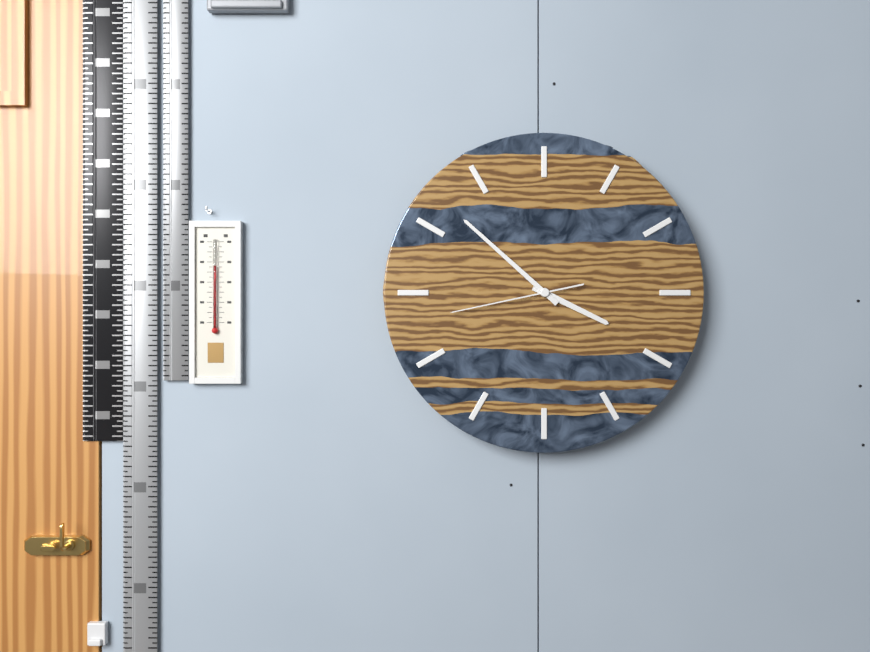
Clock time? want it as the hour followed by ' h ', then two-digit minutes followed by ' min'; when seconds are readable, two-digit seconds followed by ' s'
3 h 52 min 43 s
